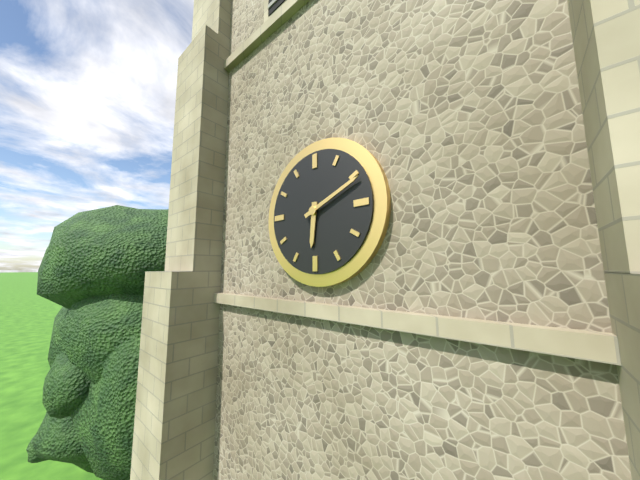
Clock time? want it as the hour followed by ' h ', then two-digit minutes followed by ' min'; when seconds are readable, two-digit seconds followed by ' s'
6 h 11 min
